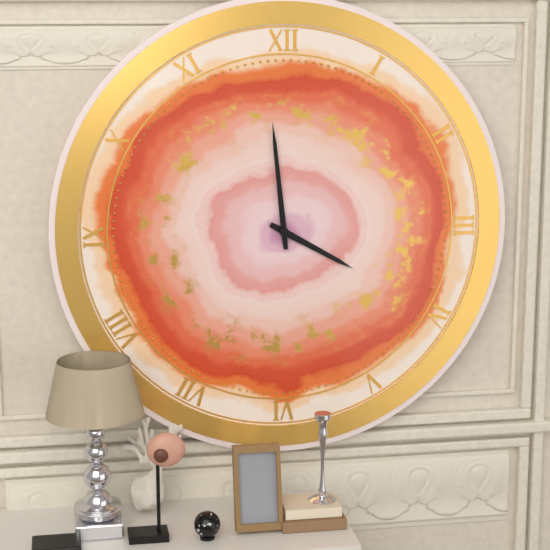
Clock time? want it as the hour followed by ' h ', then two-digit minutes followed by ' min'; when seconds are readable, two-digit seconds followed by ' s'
3 h 59 min
